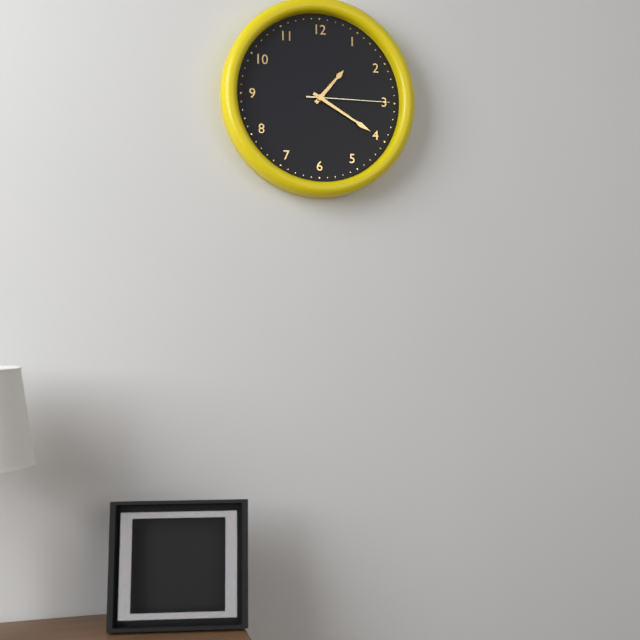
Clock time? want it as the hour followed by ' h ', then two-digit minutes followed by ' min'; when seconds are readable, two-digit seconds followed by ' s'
1 h 20 min 15 s
